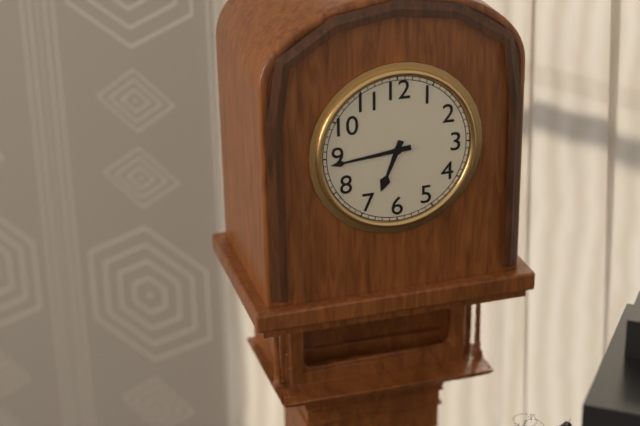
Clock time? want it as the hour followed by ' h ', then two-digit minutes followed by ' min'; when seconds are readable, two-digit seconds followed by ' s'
6 h 44 min
